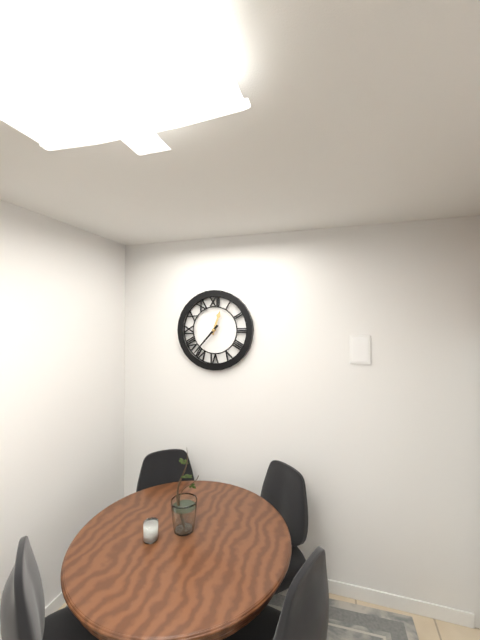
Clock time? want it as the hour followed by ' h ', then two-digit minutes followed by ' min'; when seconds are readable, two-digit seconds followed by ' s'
12 h 37 min
